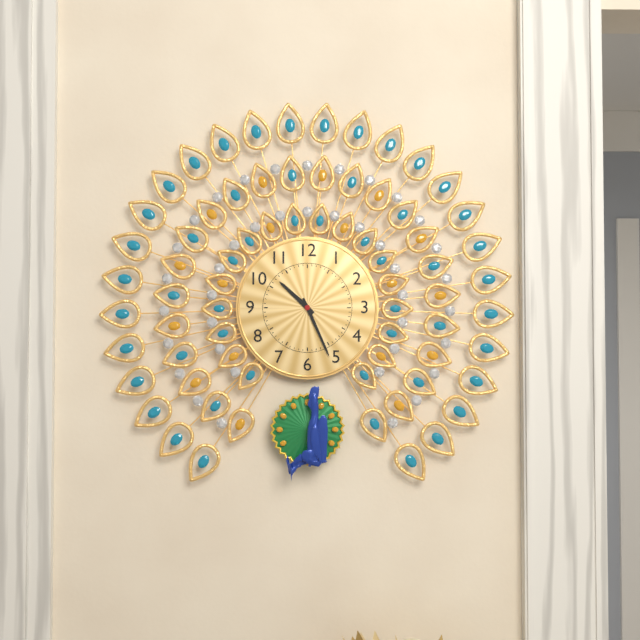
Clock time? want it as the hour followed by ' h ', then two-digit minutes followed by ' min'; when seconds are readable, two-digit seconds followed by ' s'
10 h 26 min
